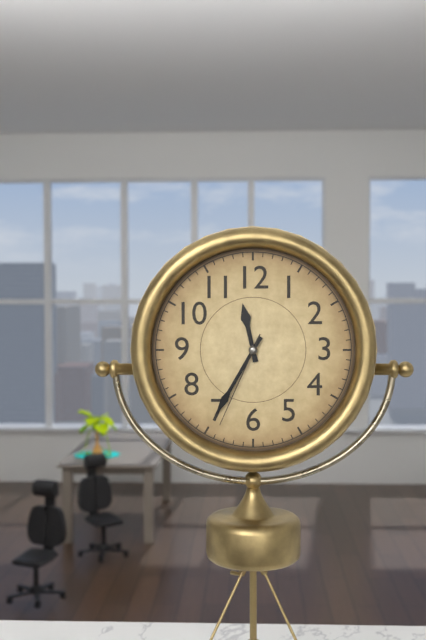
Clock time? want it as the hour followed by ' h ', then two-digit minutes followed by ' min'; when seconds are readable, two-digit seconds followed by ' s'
11 h 35 min 34 s
